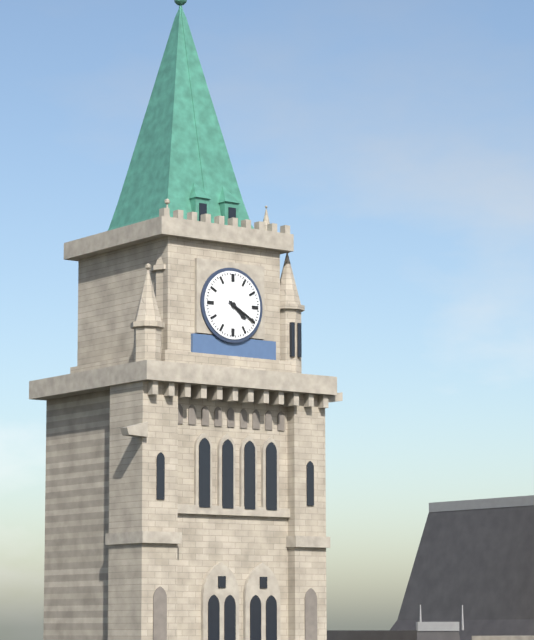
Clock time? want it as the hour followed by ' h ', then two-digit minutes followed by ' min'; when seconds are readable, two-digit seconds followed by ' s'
4 h 20 min
